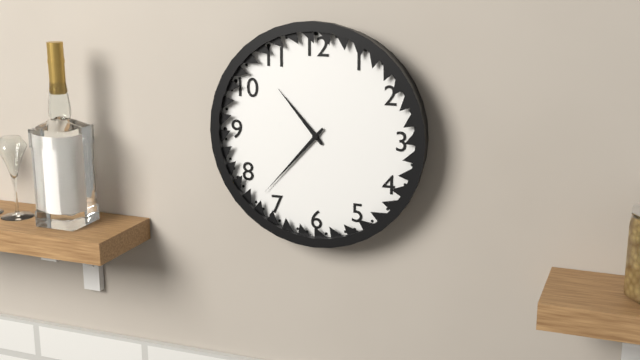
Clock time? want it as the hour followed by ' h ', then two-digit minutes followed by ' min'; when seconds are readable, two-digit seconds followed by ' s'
10 h 37 min
